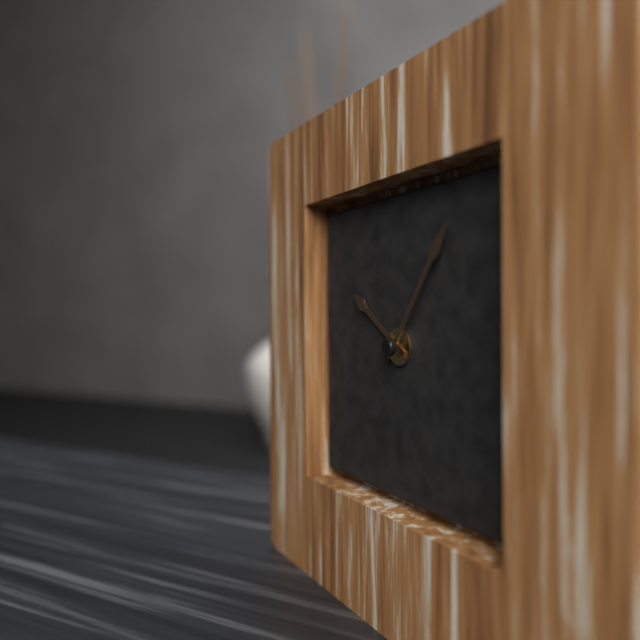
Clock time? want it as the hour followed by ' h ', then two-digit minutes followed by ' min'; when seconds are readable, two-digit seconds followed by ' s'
10 h 06 min
